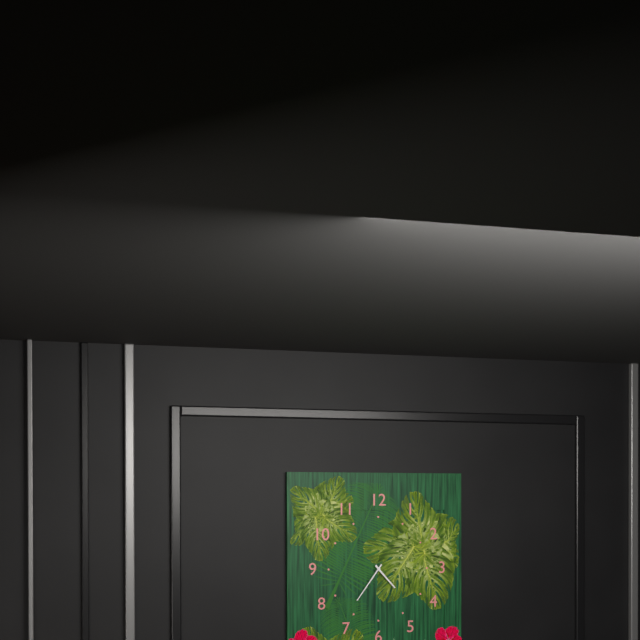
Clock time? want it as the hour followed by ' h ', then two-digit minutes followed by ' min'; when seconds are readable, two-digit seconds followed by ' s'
4 h 36 min
